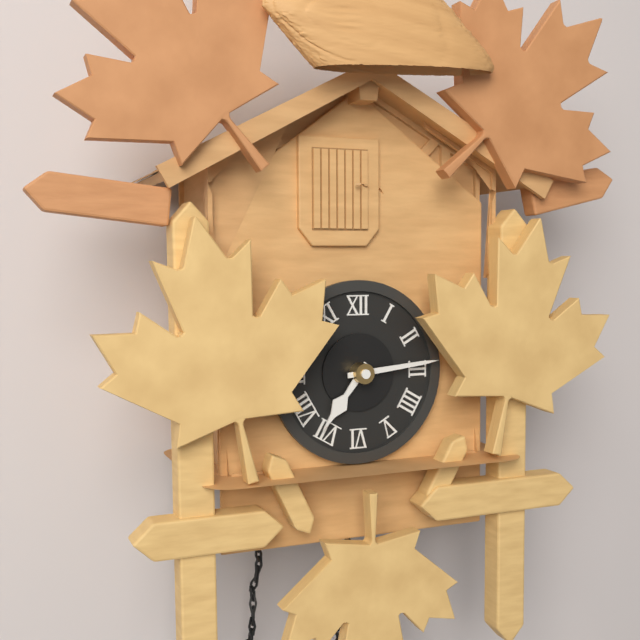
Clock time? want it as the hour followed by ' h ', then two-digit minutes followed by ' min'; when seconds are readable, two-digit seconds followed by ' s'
7 h 14 min
